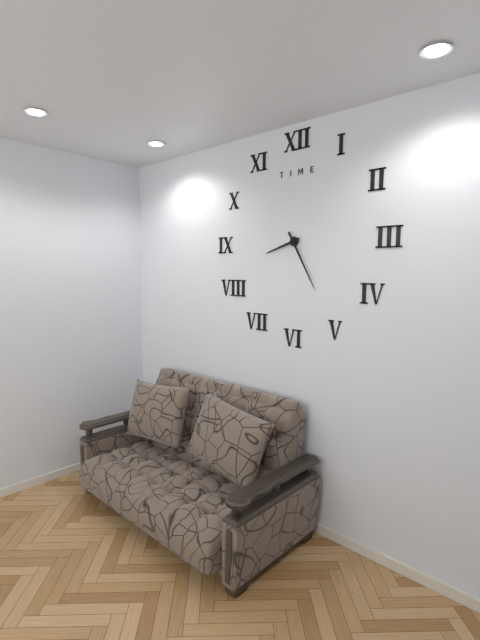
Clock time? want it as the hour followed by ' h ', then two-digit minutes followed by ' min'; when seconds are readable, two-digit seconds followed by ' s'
8 h 25 min
